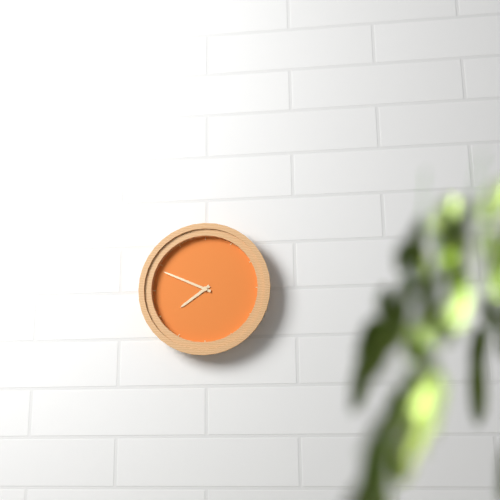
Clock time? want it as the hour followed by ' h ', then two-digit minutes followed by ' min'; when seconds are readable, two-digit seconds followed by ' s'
7 h 49 min
